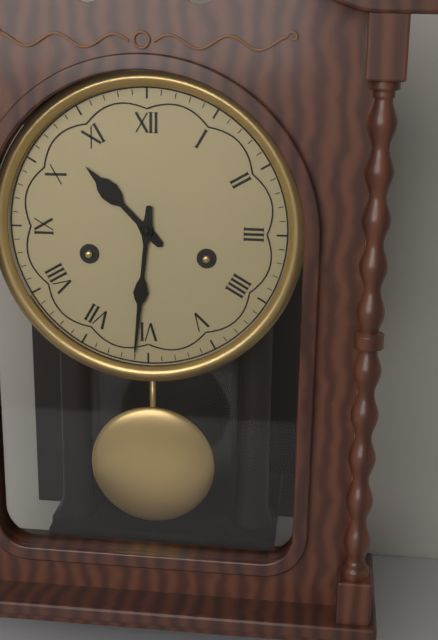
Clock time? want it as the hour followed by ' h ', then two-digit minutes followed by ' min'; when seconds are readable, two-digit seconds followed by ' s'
10 h 31 min
